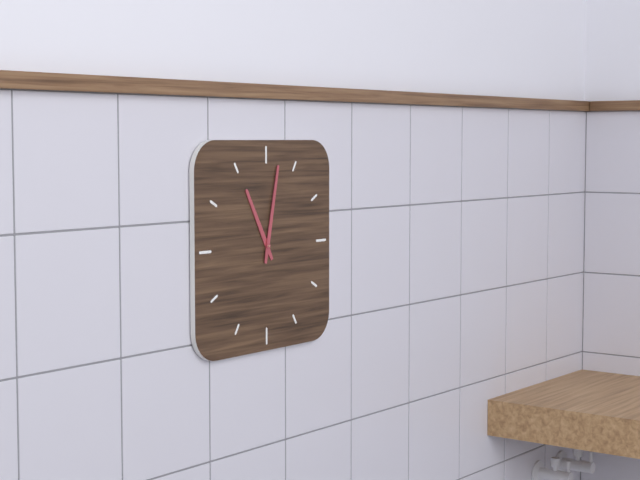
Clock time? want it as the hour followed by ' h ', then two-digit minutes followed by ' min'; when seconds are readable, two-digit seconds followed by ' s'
11 h 02 min
